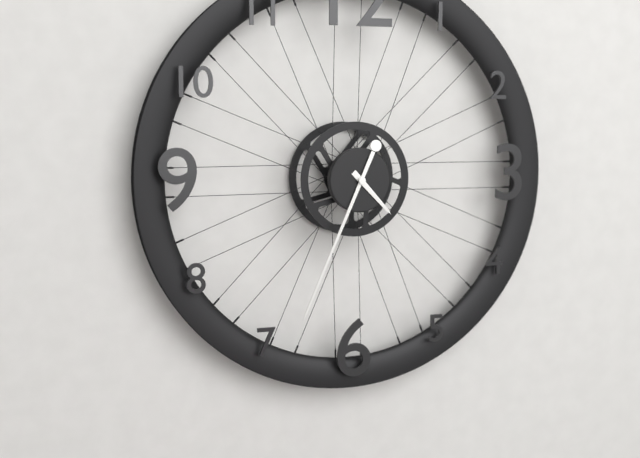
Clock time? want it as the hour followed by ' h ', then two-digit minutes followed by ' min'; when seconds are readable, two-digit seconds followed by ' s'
4 h 34 min
